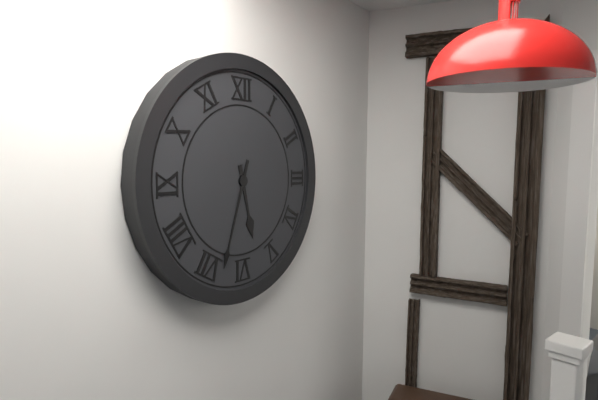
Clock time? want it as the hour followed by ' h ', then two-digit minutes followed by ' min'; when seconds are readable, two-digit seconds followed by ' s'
5 h 33 min
